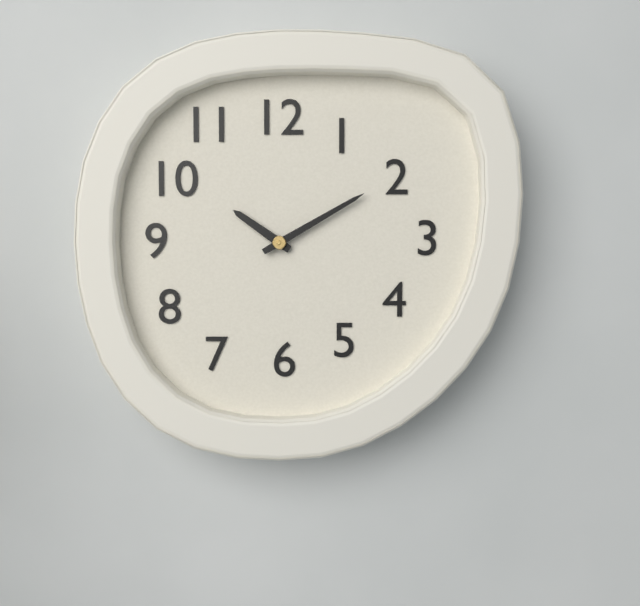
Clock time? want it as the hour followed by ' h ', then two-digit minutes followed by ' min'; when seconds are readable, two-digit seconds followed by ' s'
10 h 10 min
